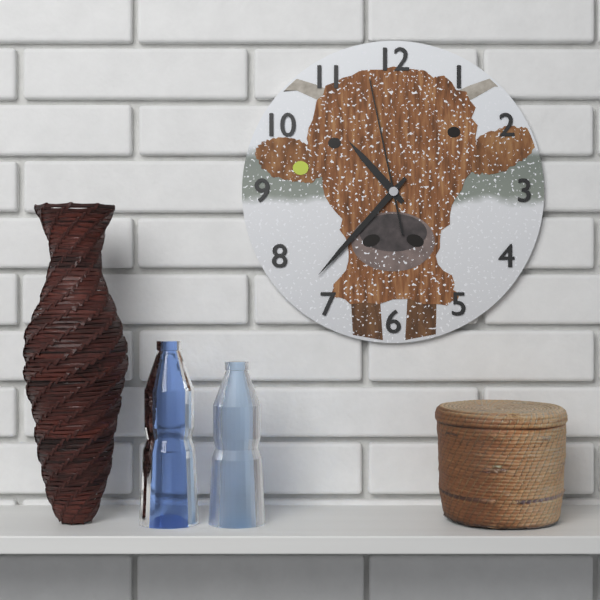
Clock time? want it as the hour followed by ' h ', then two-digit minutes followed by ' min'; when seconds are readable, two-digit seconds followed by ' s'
10 h 37 min 58 s
